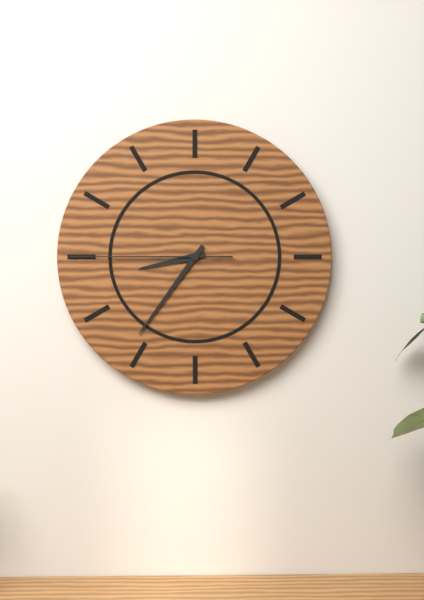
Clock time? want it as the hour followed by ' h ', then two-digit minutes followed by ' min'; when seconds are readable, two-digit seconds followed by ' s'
8 h 36 min 45 s
